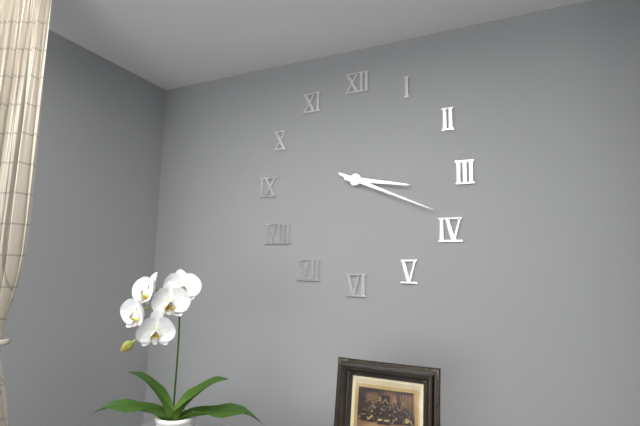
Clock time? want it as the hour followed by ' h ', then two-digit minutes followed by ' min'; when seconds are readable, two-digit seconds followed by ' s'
3 h 19 min
